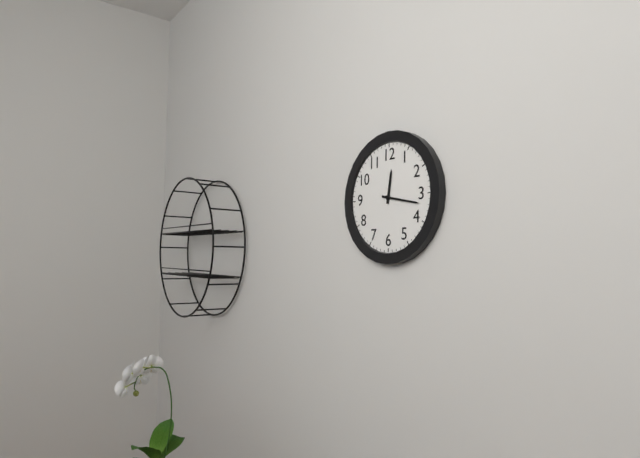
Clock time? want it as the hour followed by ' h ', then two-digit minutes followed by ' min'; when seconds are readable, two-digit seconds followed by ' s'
12 h 17 min
